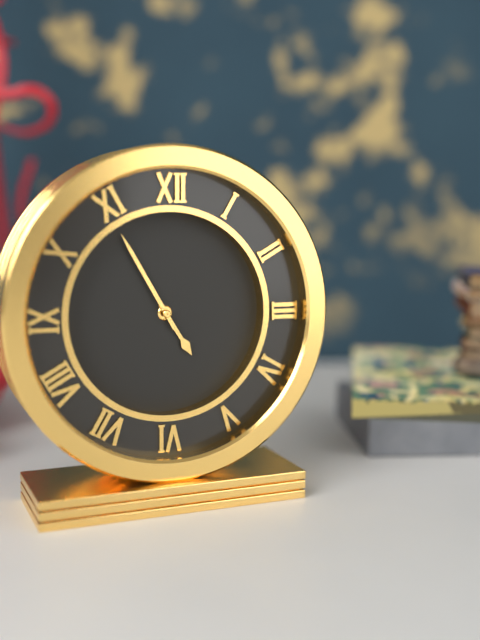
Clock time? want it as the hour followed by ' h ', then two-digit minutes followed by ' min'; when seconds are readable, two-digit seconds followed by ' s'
4 h 55 min
